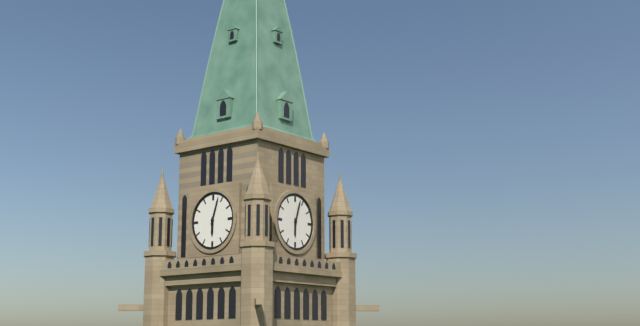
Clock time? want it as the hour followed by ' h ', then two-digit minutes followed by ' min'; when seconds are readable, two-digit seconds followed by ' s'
6 h 03 min
